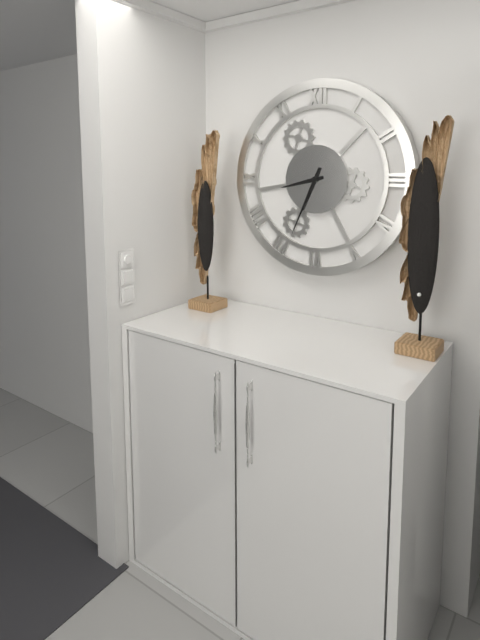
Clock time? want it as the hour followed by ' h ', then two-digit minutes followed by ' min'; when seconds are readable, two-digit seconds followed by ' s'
8 h 34 min
